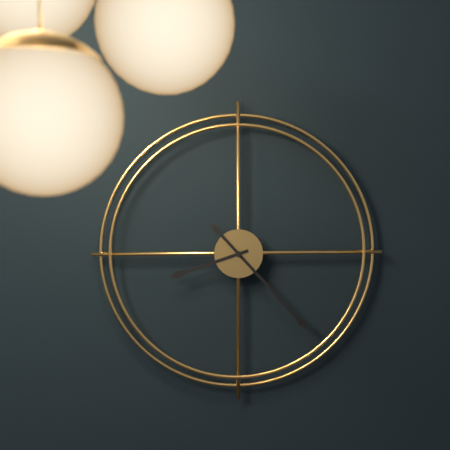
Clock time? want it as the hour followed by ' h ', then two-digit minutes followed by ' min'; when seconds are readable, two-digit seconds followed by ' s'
8 h 23 min
